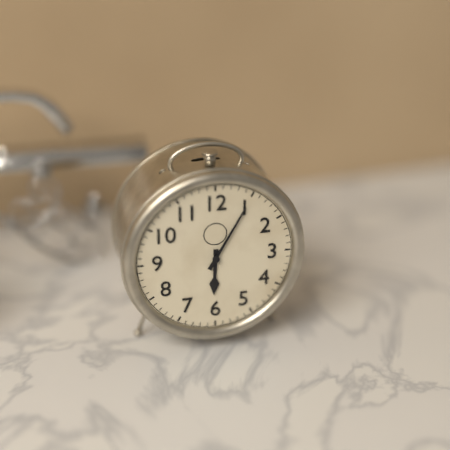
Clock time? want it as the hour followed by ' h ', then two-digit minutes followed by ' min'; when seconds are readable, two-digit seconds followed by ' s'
6 h 05 min
